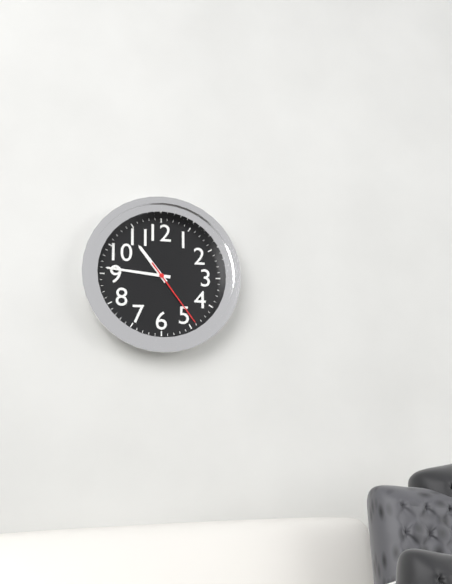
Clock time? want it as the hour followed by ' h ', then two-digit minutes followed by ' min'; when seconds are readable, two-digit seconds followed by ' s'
10 h 46 min 24 s
